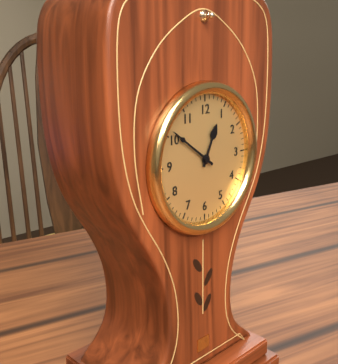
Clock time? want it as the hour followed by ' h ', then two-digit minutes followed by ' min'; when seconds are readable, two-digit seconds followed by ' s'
12 h 51 min
